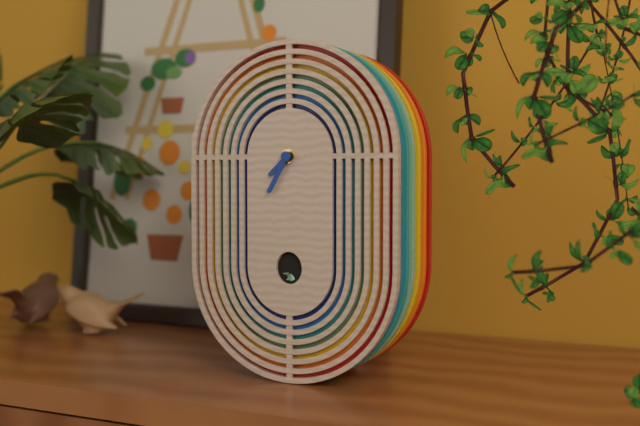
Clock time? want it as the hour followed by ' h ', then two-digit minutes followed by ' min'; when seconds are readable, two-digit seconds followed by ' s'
7 h 35 min
